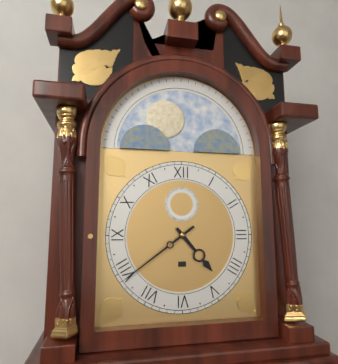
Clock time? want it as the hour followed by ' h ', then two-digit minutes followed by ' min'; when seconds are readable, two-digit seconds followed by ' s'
4 h 39 min
